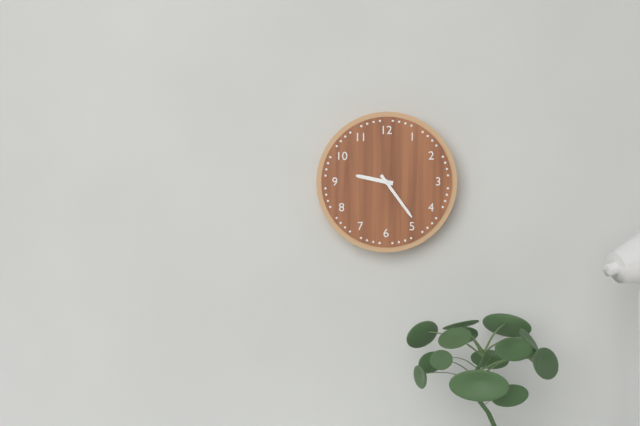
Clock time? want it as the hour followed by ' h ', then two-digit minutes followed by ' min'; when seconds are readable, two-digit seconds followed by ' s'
9 h 24 min
